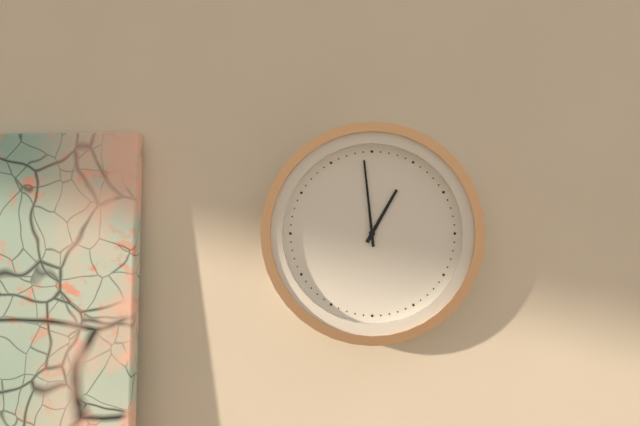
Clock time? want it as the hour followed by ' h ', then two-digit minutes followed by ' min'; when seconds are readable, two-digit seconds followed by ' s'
12 h 59 min
